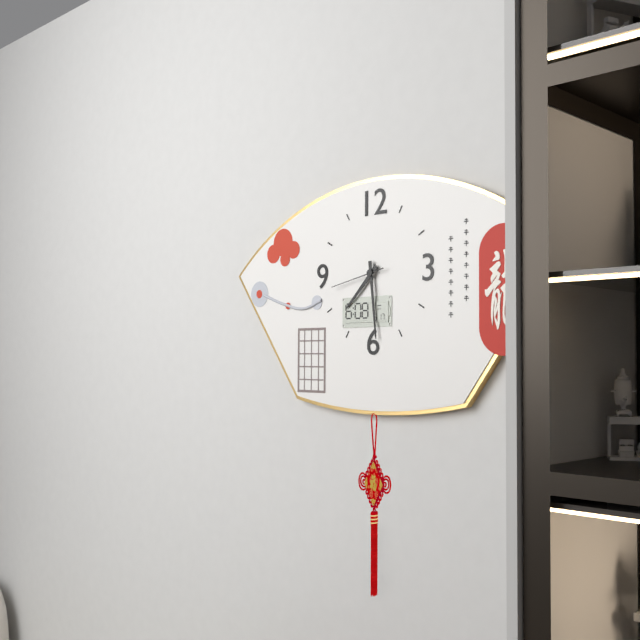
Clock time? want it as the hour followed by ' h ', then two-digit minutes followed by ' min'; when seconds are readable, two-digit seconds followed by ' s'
7 h 29 min 43 s
